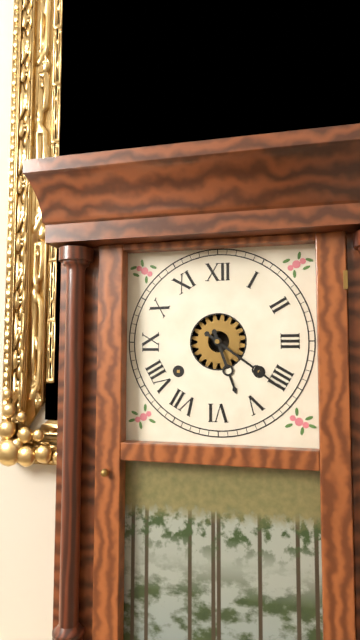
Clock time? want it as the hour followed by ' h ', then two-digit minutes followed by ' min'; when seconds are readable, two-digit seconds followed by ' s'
5 h 21 min
